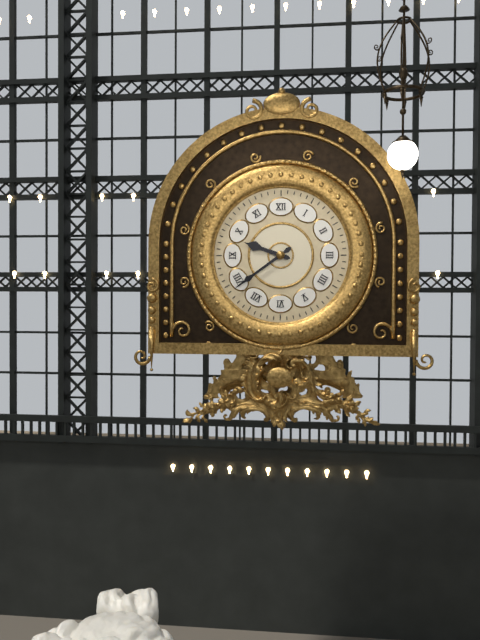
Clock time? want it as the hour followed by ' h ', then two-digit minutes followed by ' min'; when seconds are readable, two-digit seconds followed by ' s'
9 h 39 min
